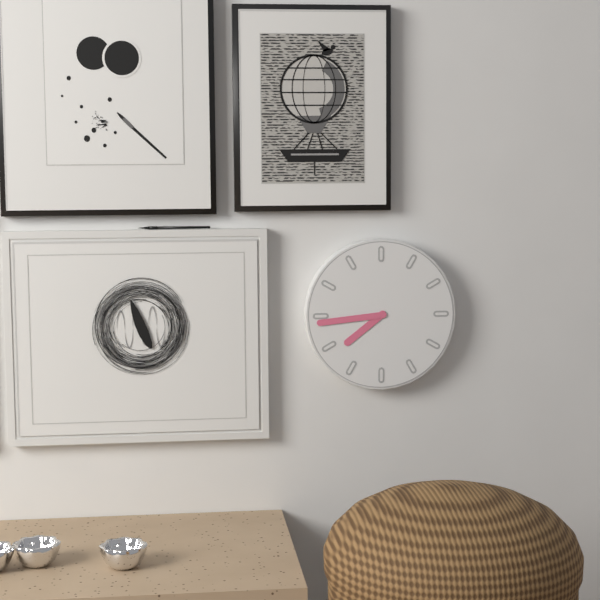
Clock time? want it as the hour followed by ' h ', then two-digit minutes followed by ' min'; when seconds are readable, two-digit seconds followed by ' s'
7 h 44 min
